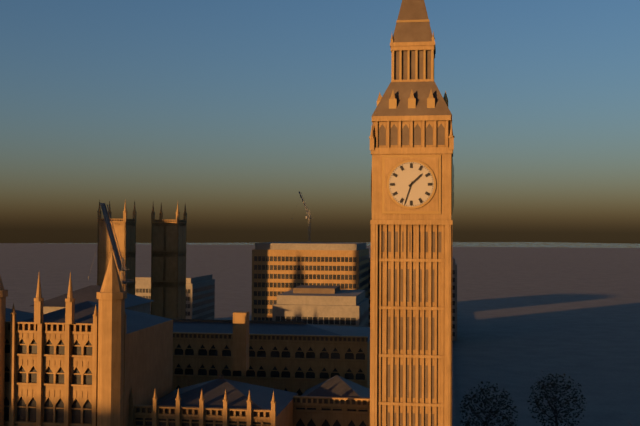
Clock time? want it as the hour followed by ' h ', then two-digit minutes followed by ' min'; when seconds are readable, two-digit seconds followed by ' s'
1 h 33 min
